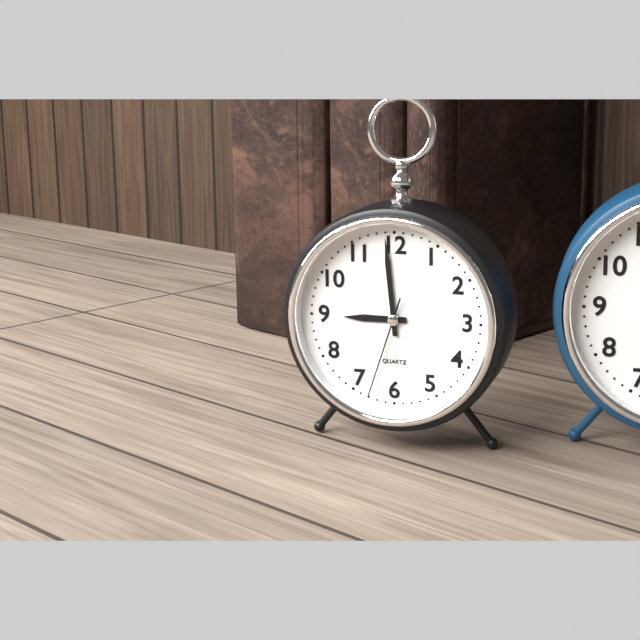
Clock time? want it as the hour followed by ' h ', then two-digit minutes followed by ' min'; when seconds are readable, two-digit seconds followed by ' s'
8 h 59 min 33 s
